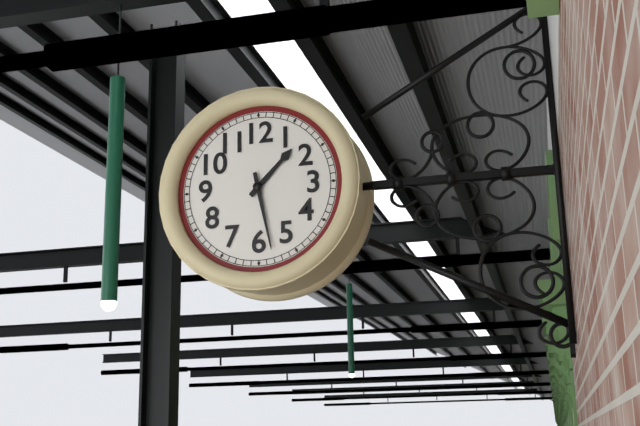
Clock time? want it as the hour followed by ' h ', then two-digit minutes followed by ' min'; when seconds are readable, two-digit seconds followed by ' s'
1 h 28 min
